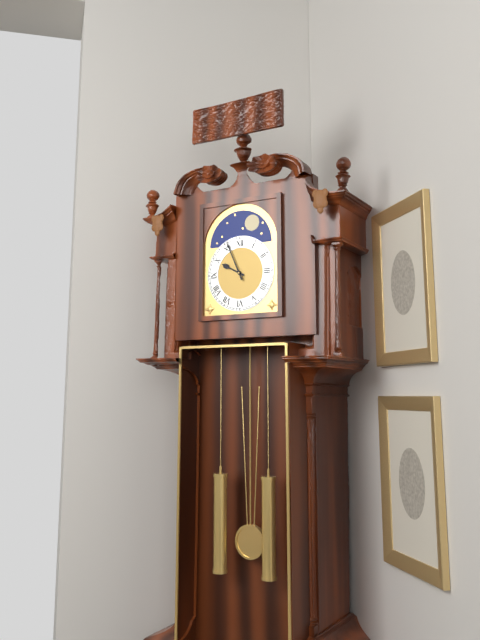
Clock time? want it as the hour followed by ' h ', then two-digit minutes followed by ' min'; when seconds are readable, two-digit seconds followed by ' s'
9 h 56 min
